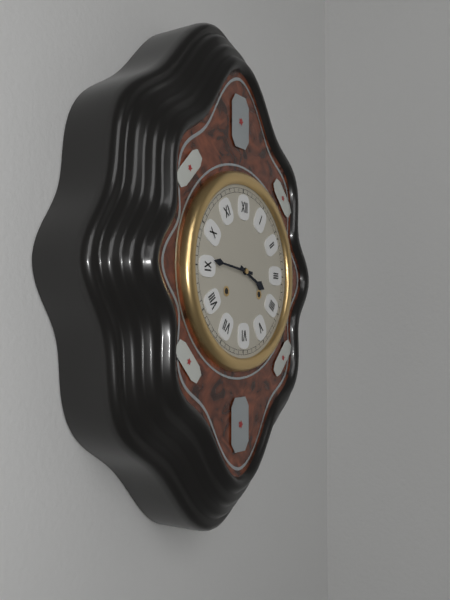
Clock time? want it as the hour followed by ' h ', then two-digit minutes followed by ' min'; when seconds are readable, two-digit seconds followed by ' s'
3 h 46 min
